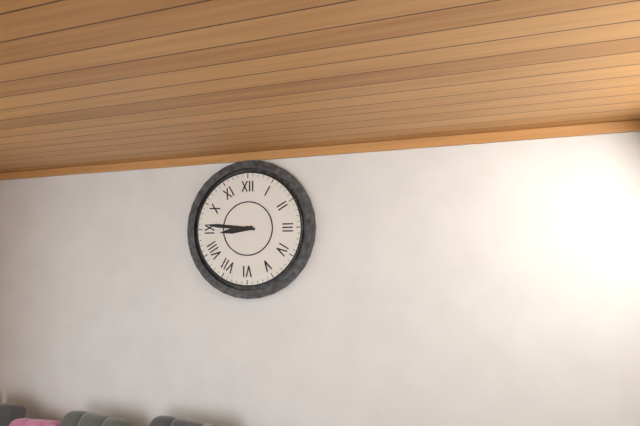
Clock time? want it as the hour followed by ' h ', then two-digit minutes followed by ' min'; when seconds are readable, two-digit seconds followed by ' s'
8 h 46 min
